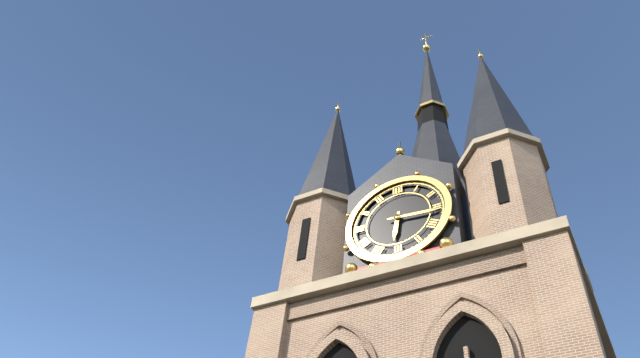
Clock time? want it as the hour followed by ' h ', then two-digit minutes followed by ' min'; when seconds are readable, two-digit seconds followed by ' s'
6 h 16 min
